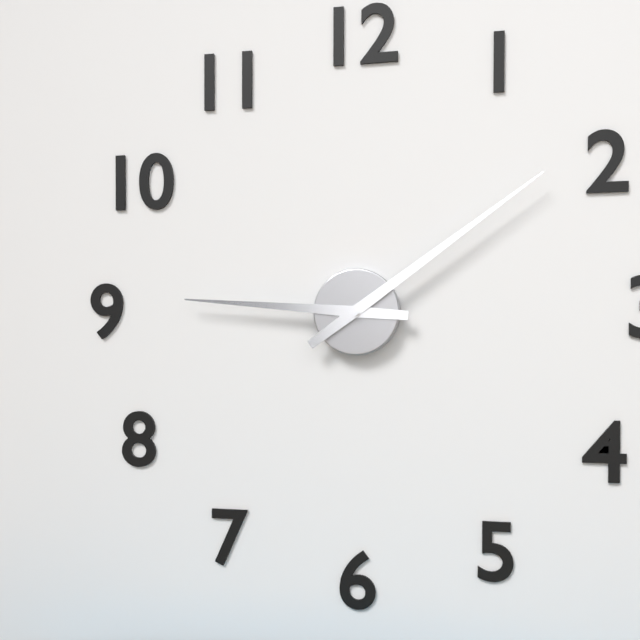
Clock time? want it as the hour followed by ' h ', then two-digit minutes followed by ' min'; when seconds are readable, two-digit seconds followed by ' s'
9 h 09 min
